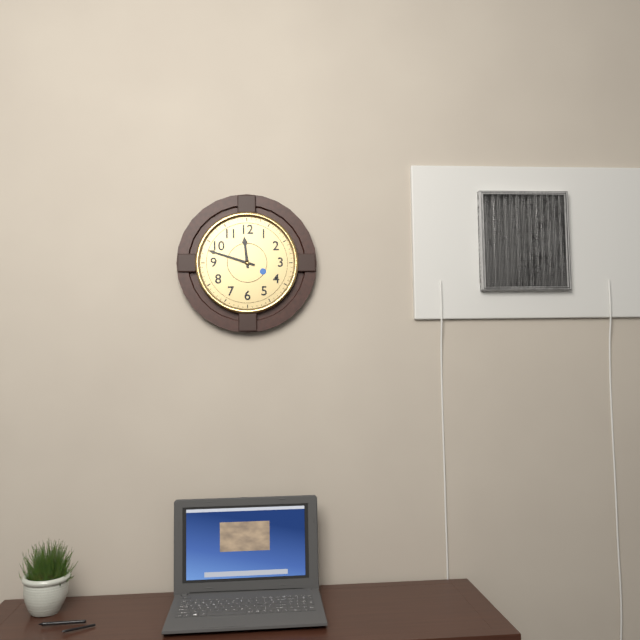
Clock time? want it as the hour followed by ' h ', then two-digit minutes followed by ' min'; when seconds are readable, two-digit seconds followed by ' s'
11 h 48 min
